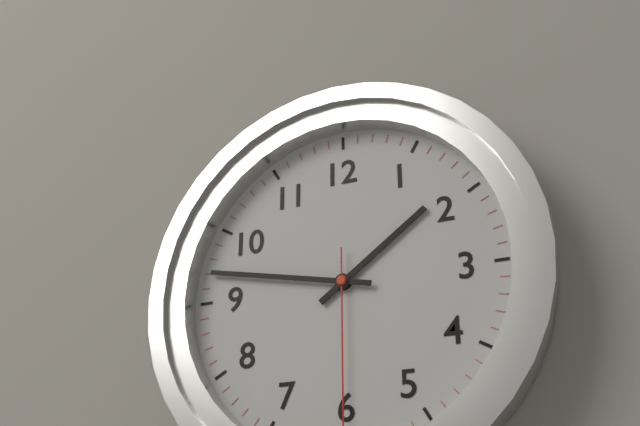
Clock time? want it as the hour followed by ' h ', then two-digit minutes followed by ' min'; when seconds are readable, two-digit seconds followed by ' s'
1 h 47 min
